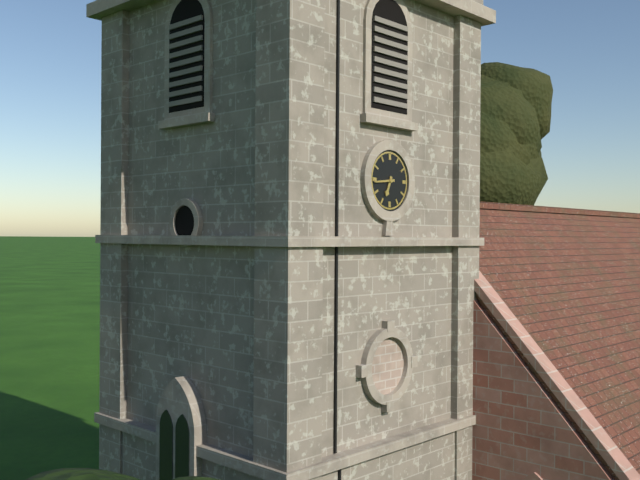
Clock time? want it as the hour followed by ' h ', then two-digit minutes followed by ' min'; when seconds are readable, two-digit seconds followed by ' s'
6 h 44 min
